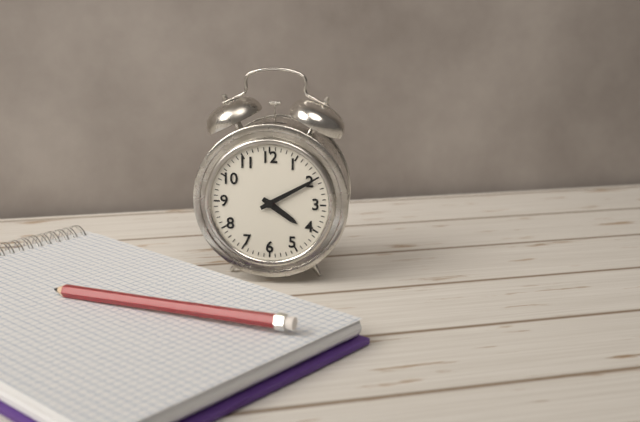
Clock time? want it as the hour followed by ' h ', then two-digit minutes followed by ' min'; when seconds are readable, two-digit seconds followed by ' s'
4 h 10 min
